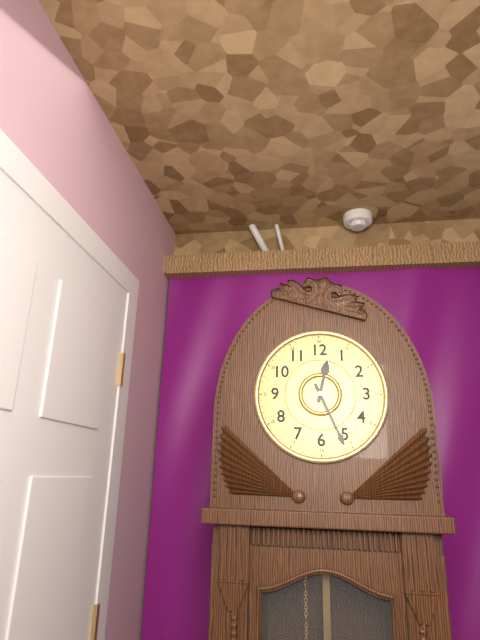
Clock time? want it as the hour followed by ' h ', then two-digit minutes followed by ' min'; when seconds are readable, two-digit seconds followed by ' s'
12 h 26 min
